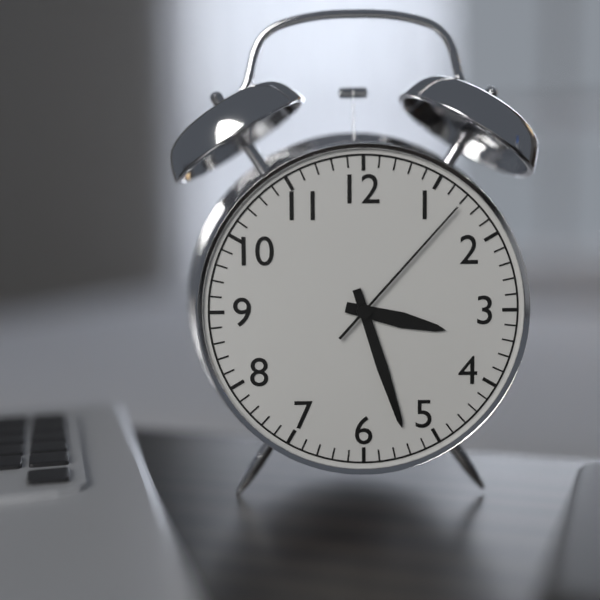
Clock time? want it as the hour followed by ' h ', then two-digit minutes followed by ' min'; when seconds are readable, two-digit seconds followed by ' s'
3 h 27 min 07 s
